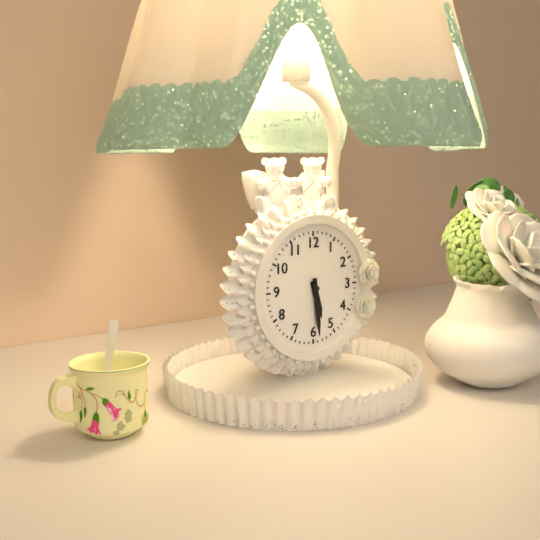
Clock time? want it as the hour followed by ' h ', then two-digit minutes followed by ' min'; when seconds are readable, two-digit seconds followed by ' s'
5 h 29 min
